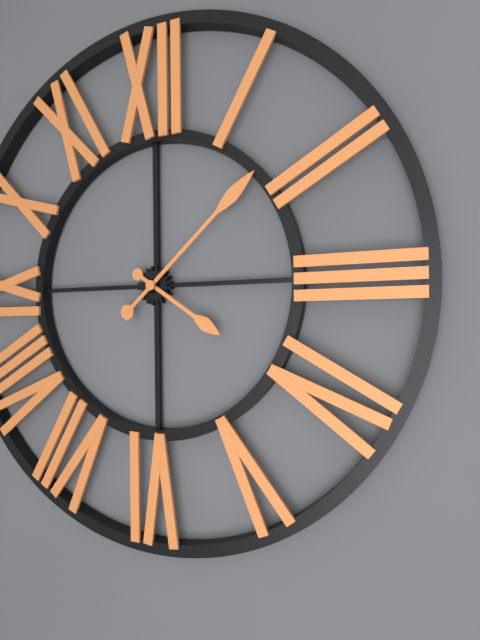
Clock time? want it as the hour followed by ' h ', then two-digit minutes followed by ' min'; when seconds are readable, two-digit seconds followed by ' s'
4 h 08 min
